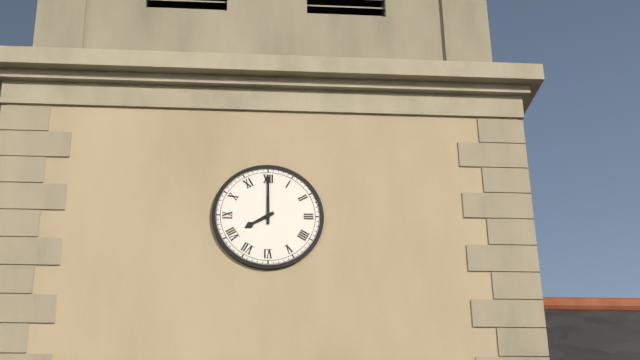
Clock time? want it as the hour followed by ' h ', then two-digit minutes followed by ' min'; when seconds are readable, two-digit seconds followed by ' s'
8 h 00 min
